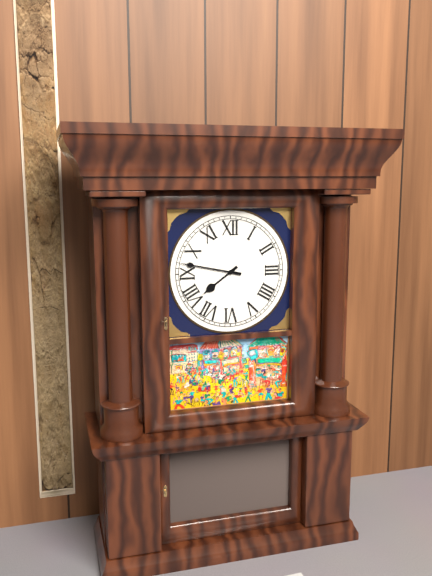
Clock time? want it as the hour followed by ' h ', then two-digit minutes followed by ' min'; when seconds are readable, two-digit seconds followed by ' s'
7 h 47 min
